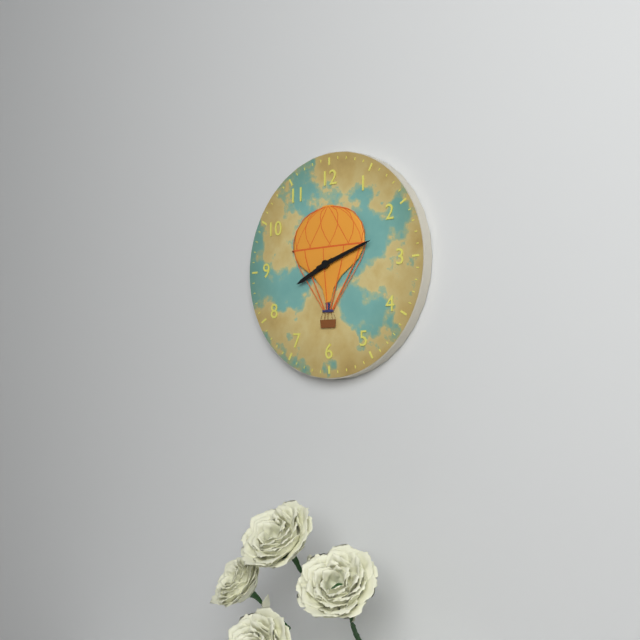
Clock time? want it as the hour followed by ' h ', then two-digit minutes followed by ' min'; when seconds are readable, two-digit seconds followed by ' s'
8 h 12 min
